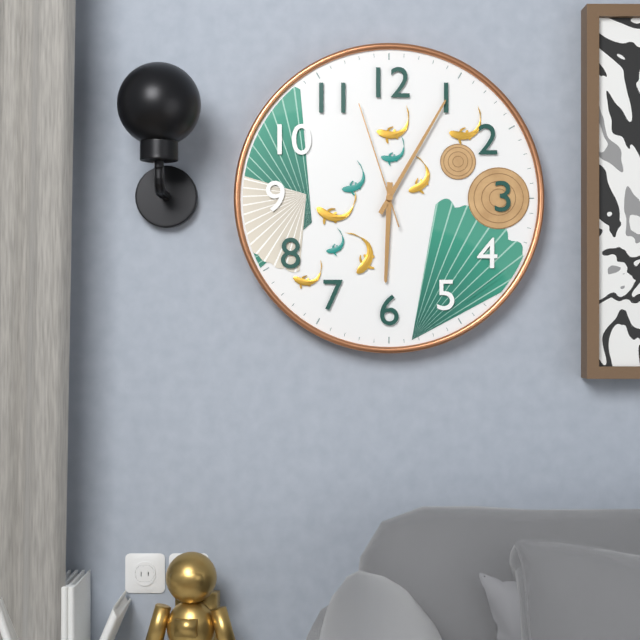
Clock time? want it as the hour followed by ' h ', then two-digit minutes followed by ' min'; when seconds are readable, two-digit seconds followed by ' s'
6 h 05 min 57 s
